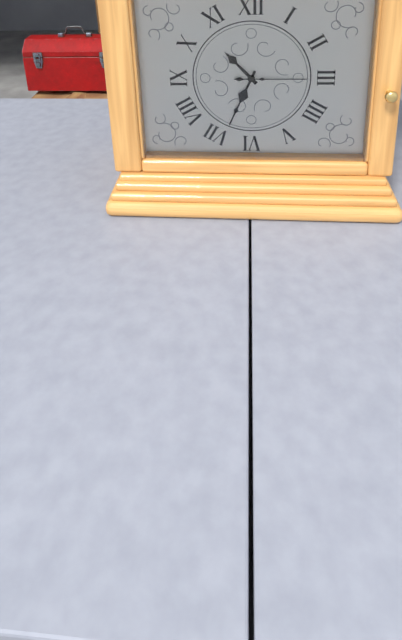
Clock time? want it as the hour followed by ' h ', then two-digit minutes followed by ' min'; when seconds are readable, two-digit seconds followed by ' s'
10 h 34 min 15 s
